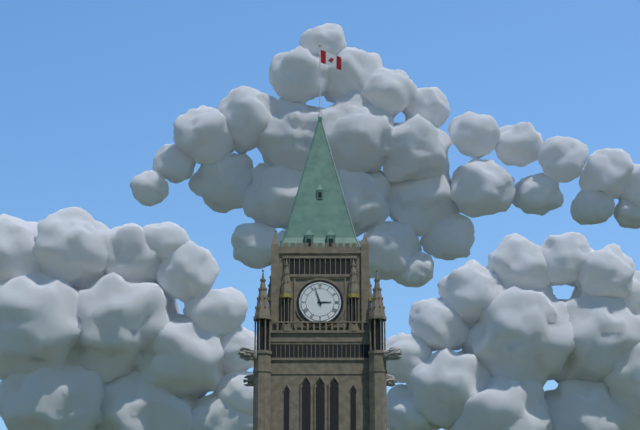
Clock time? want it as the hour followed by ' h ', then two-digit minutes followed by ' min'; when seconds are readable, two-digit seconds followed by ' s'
2 h 57 min
